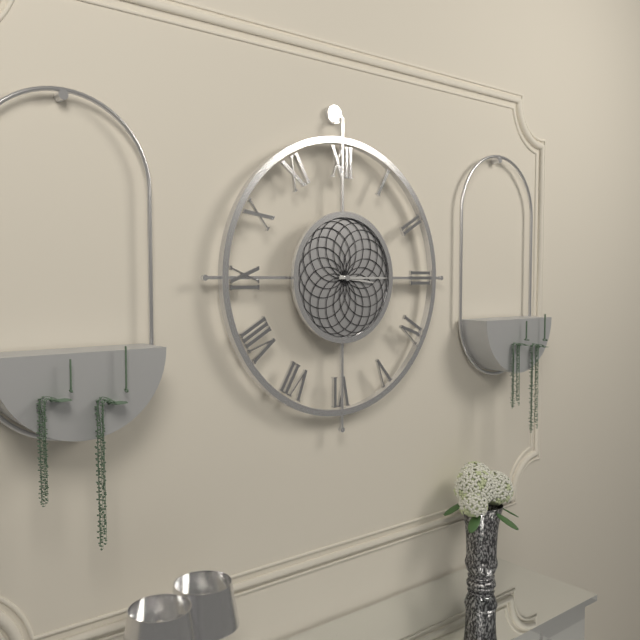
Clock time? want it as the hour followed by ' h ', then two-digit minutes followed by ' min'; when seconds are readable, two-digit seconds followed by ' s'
3 h 15 min
